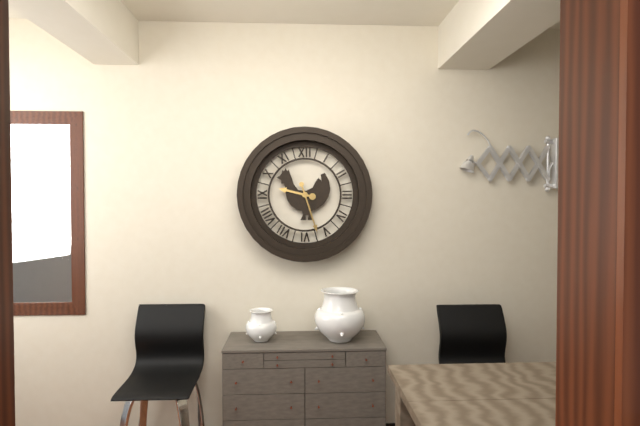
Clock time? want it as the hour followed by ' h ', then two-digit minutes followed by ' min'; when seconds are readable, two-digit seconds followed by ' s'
9 h 27 min
